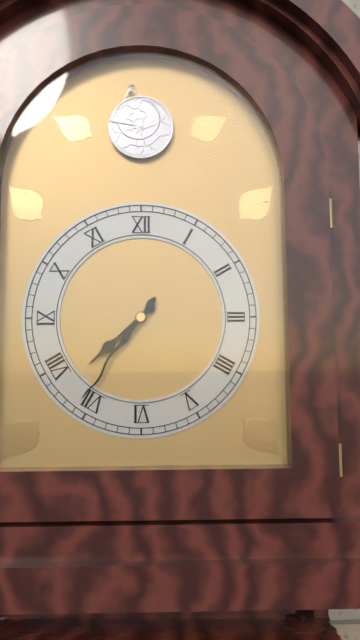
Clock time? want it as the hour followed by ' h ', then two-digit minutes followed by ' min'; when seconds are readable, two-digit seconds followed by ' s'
7 h 36 min
